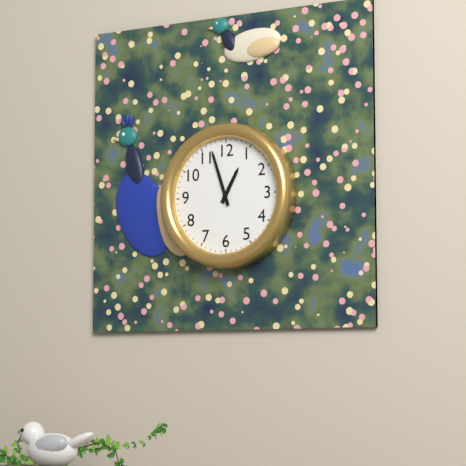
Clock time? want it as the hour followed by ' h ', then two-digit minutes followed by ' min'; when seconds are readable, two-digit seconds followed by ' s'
12 h 57 min
